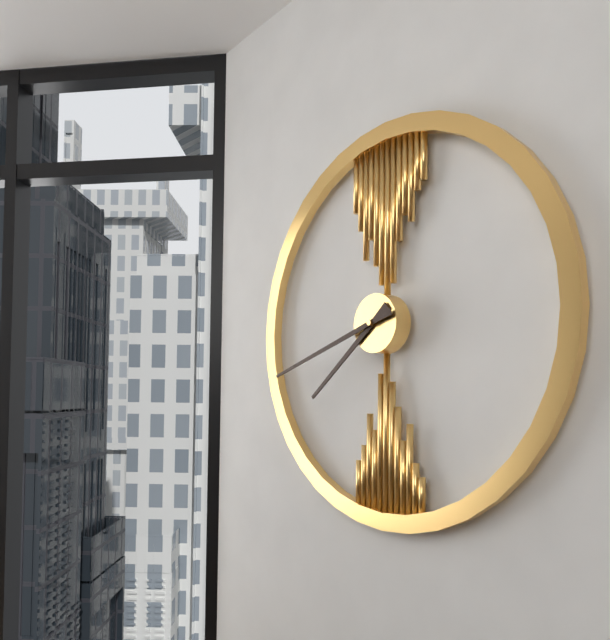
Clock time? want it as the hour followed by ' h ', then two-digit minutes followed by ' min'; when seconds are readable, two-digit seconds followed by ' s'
7 h 42 min
